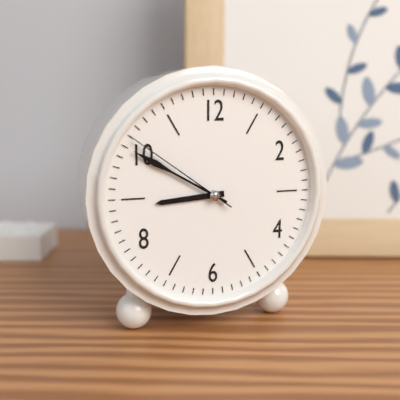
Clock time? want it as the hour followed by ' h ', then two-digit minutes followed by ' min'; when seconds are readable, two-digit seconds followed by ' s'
8 h 50 min 51 s
